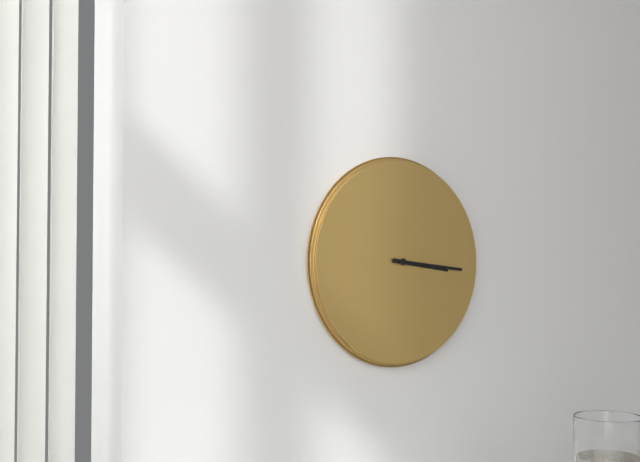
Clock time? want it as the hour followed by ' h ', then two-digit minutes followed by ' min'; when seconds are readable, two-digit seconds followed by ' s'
3 h 16 min
